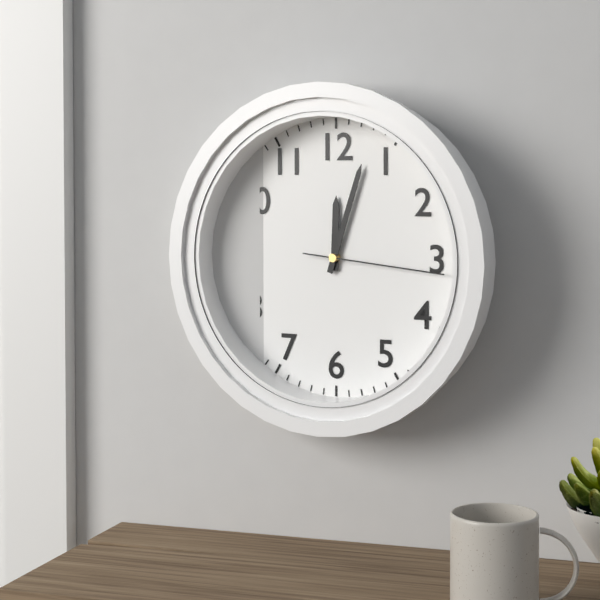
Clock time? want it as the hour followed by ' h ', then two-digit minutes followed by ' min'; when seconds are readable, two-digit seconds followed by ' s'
12 h 03 min 16 s
